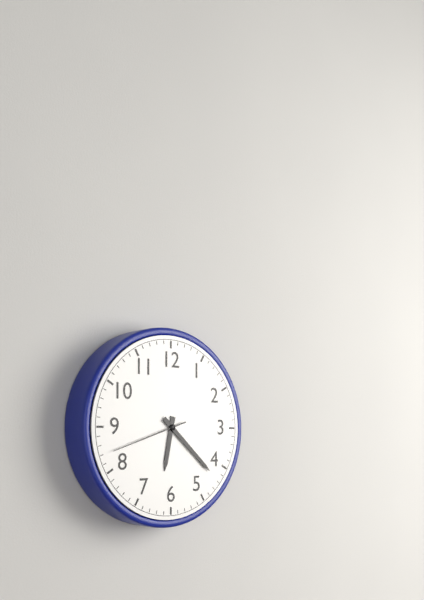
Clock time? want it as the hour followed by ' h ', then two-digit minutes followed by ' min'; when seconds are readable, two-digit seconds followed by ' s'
6 h 22 min 42 s
